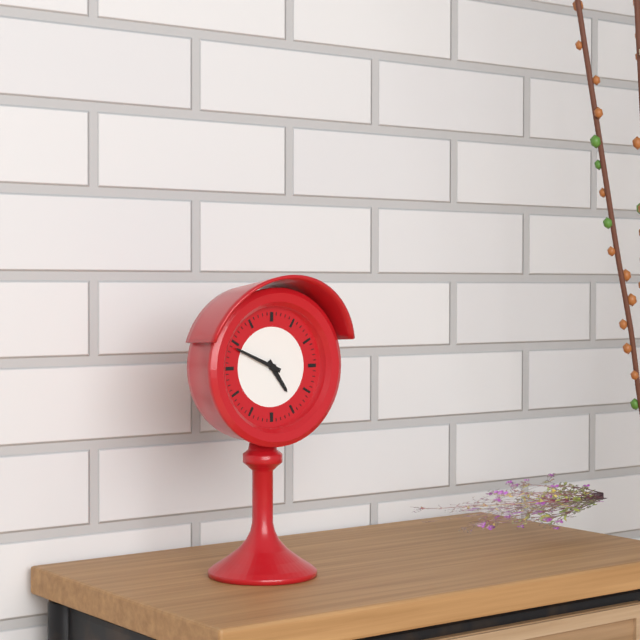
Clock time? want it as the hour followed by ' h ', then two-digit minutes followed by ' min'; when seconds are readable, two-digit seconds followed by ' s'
4 h 49 min
